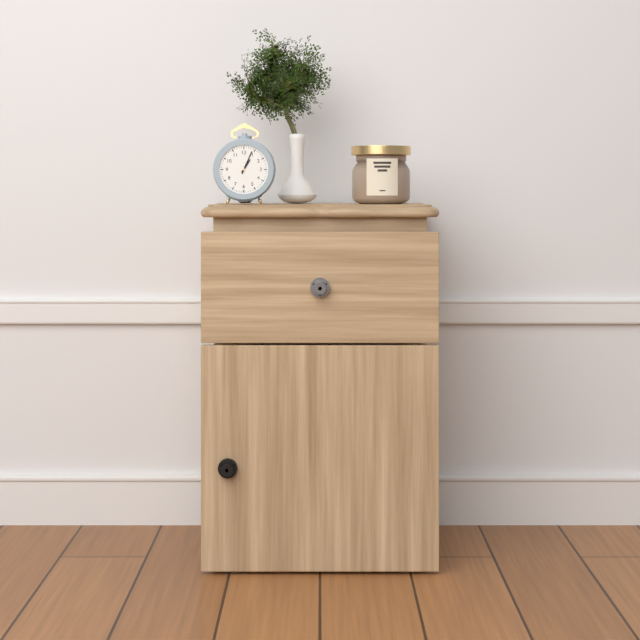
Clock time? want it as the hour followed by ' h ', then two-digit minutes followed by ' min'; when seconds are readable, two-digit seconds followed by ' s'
1 h 04 min
